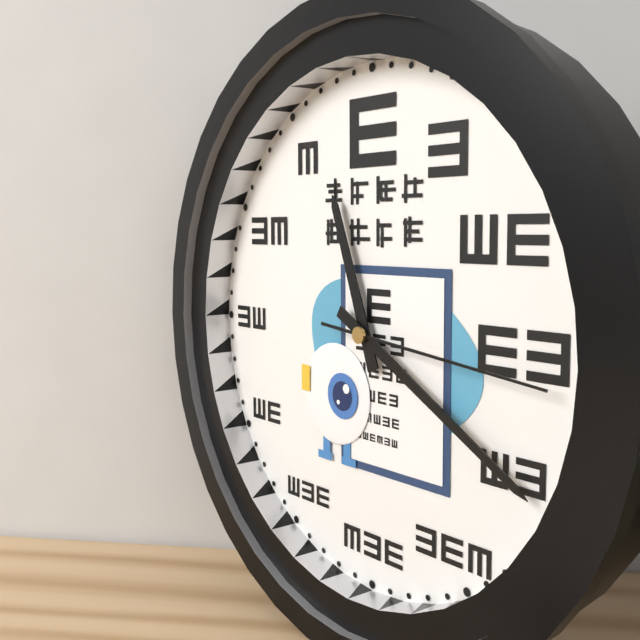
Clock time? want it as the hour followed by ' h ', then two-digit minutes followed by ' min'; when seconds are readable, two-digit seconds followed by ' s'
11 h 20 min 16 s
